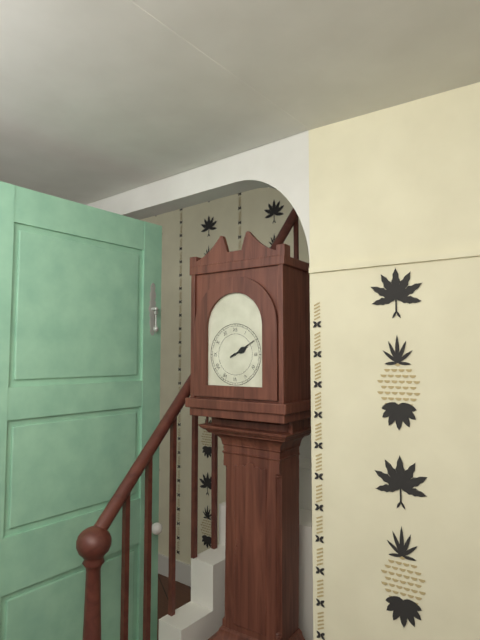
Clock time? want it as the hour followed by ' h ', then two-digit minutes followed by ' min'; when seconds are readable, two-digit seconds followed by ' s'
2 h 10 min
